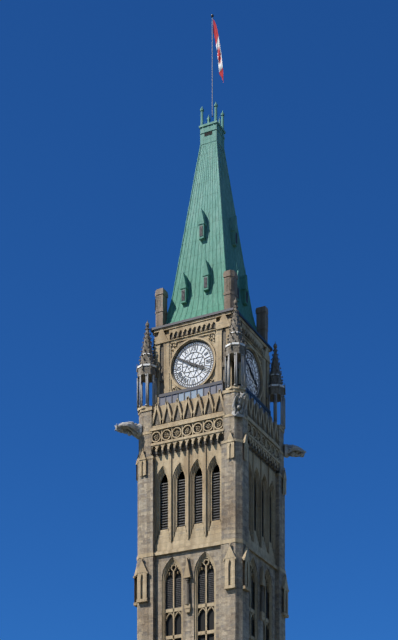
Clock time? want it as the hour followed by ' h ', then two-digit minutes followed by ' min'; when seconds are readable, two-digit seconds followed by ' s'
3 h 50 min
